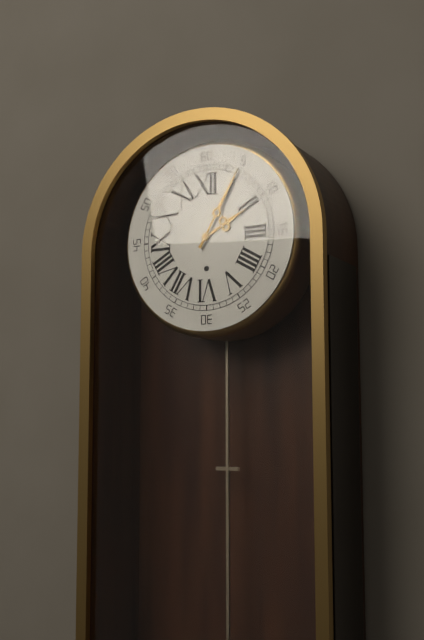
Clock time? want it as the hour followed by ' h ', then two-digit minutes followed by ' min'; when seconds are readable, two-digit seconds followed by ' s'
2 h 05 min
